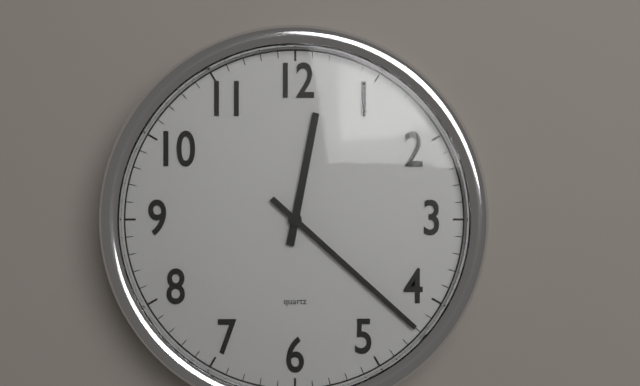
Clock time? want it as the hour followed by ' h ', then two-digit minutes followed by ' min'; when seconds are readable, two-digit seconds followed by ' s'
12 h 22 min
